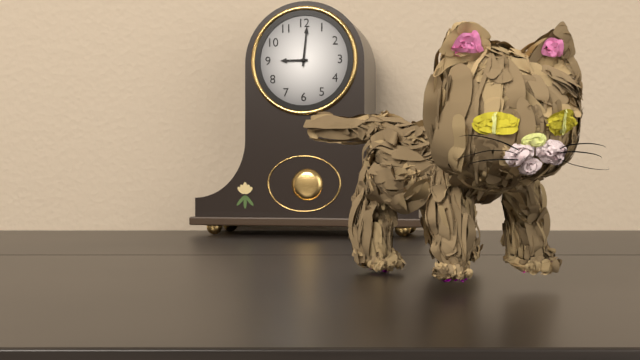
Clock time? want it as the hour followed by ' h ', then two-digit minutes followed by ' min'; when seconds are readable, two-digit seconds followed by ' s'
9 h 01 min
